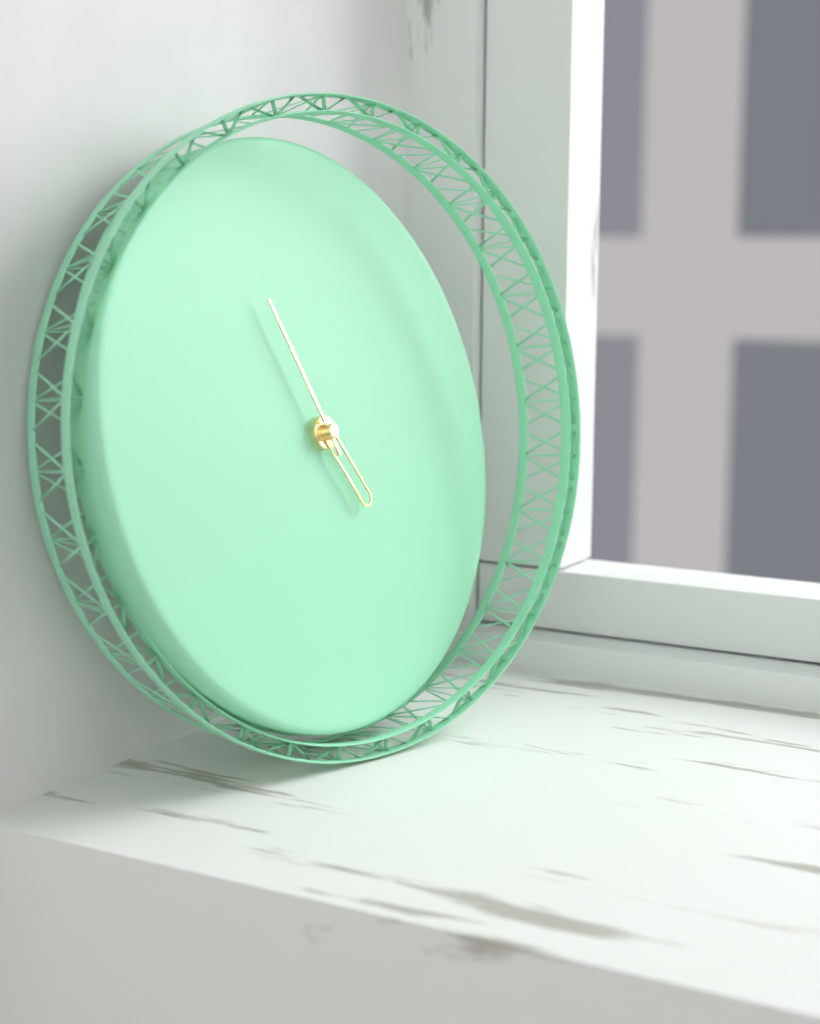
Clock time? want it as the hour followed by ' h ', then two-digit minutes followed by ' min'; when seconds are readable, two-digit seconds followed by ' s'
4 h 56 min
